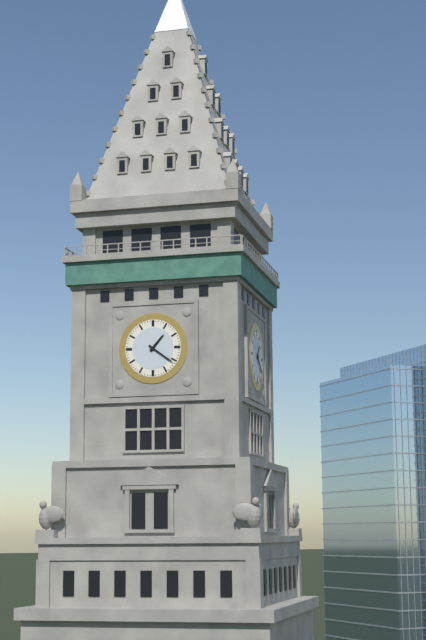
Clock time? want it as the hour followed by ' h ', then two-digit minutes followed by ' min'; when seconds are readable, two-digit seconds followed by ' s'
1 h 21 min
